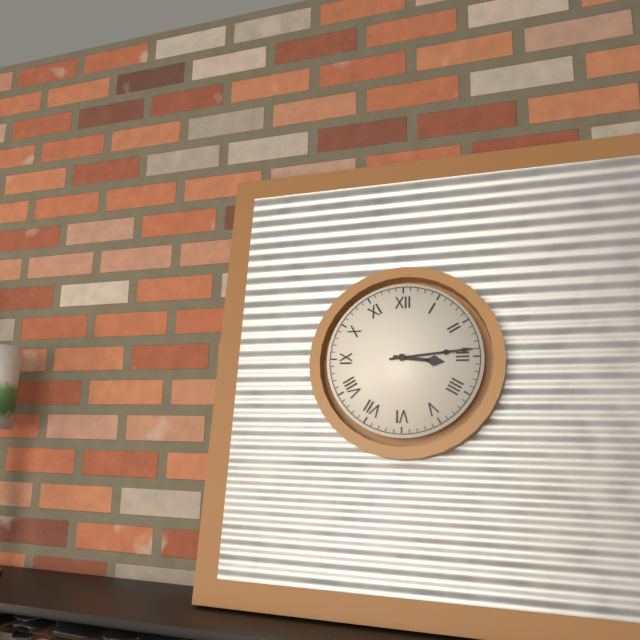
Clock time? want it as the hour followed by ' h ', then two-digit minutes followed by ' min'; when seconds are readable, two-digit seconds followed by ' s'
3 h 14 min
